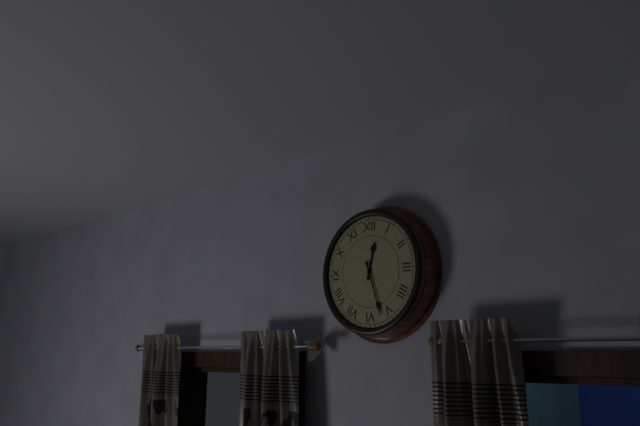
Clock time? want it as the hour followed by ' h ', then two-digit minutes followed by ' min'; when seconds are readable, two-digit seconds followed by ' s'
12 h 27 min
